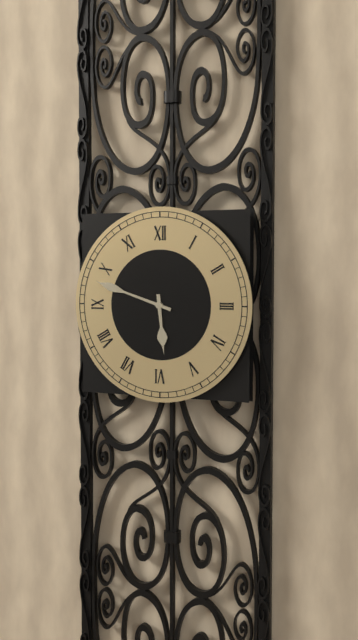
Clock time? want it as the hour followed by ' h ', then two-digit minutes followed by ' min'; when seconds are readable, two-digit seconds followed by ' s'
5 h 48 min
